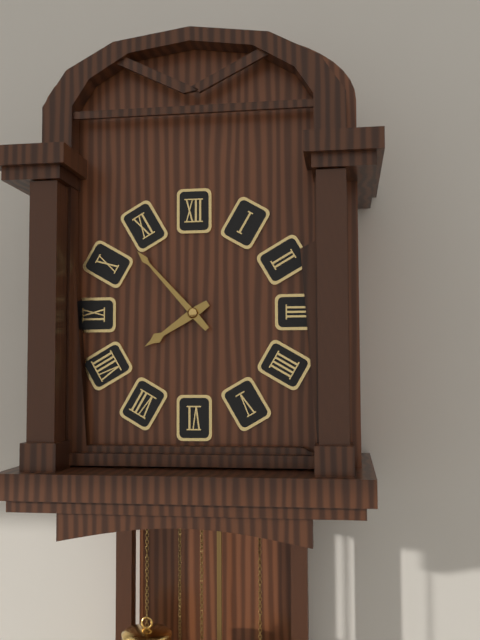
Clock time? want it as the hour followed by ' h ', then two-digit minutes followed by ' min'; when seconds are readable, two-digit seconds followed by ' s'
7 h 53 min
